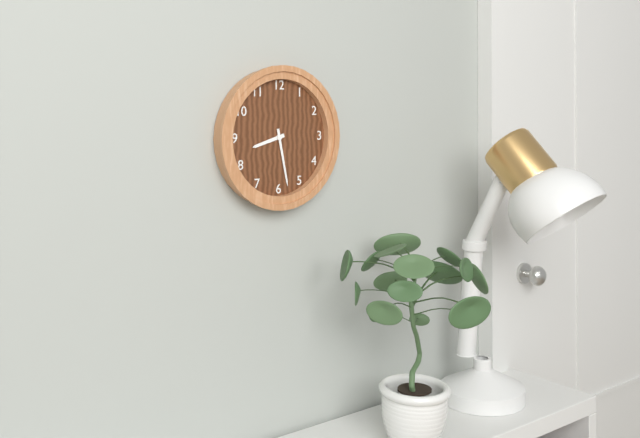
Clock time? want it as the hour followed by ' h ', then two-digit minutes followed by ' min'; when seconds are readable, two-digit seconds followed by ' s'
8 h 28 min
